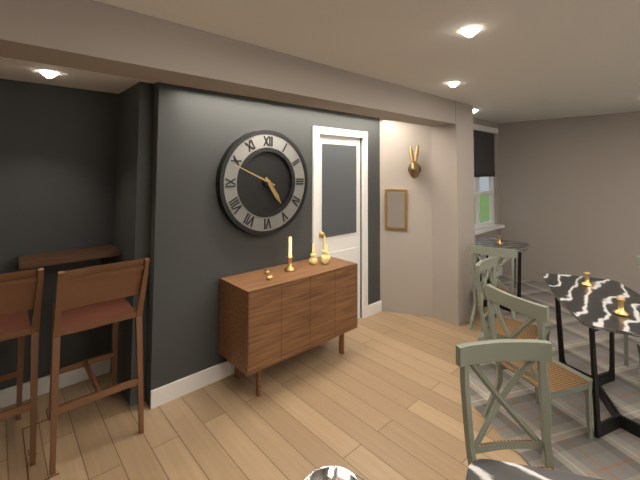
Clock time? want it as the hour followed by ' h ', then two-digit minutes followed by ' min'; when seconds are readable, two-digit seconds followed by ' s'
4 h 49 min
